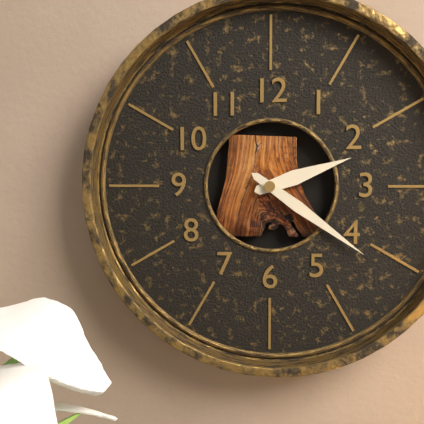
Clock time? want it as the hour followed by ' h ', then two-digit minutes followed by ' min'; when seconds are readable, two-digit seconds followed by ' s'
2 h 21 min
